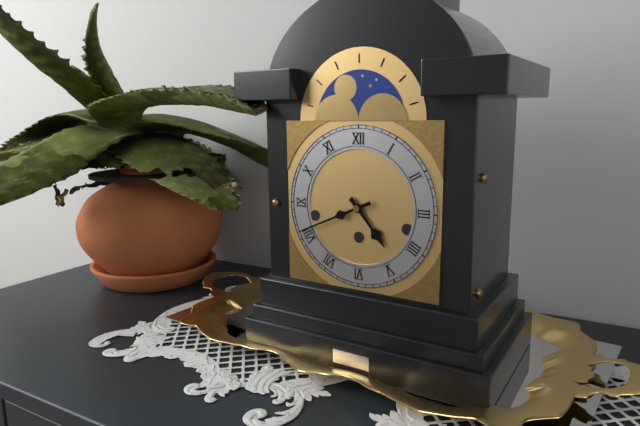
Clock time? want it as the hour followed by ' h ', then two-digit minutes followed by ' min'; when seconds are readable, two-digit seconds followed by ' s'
4 h 41 min
